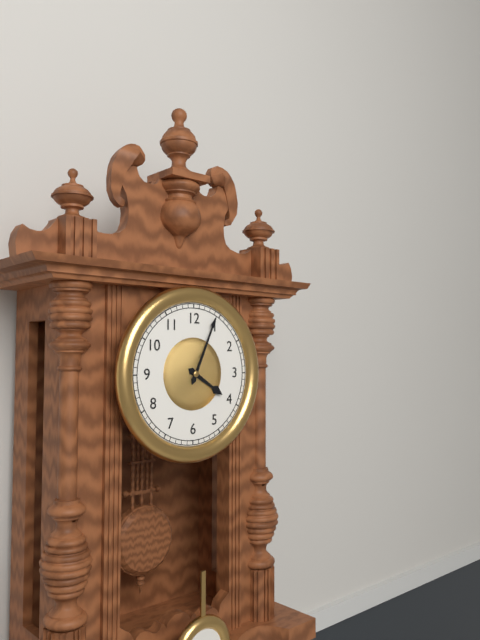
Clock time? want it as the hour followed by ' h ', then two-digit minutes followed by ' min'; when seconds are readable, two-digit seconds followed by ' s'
4 h 04 min
